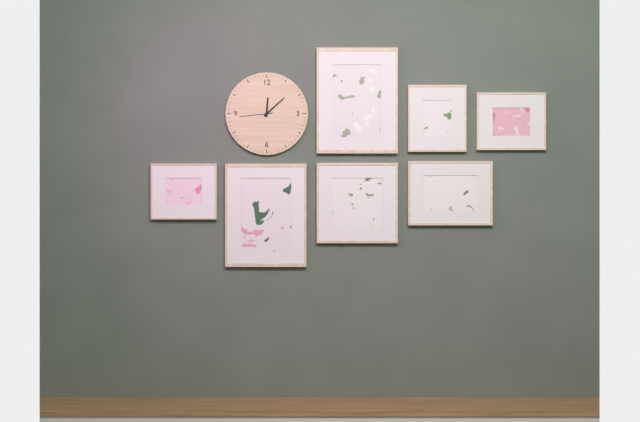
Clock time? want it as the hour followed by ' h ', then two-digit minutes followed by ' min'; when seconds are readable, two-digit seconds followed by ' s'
12 h 08 min
